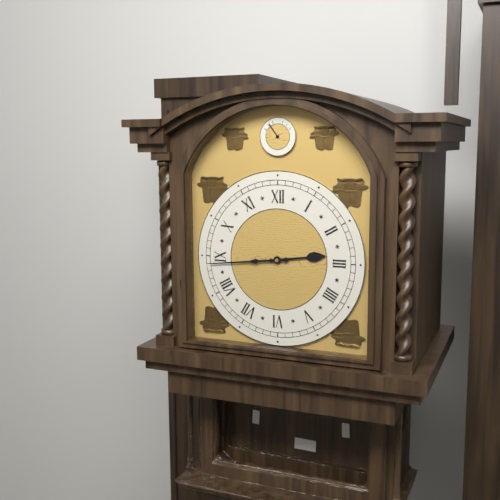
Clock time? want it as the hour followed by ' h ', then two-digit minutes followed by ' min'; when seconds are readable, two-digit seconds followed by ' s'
2 h 44 min
